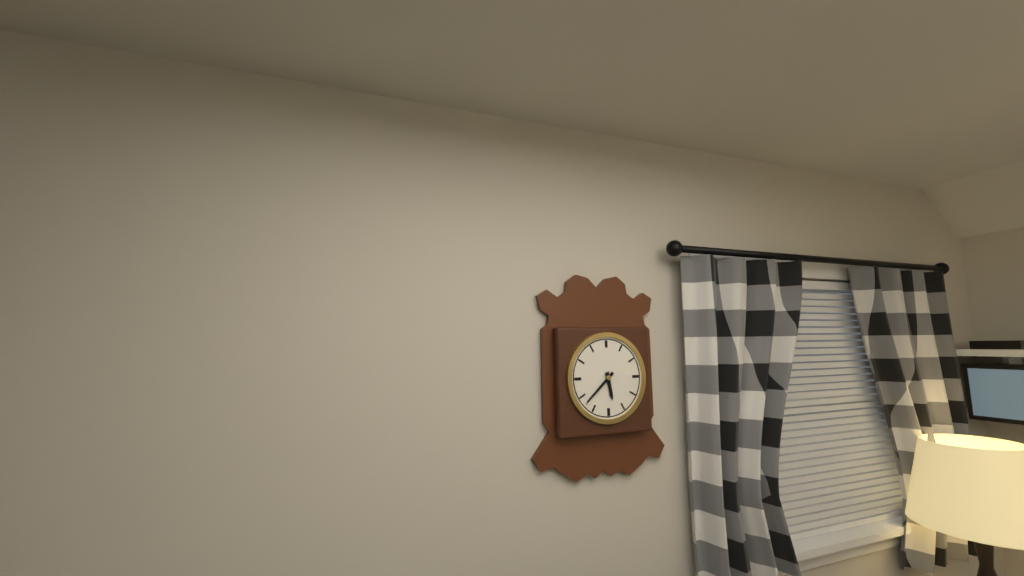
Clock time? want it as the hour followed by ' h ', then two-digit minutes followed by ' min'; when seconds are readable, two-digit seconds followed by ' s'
5 h 38 min
